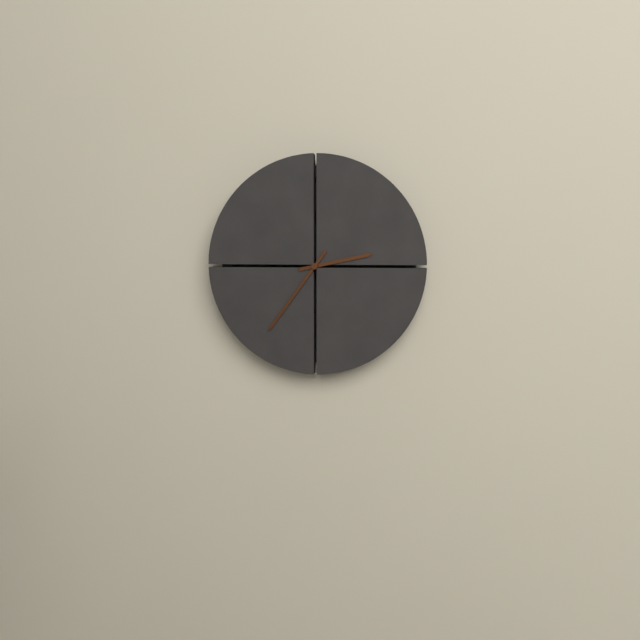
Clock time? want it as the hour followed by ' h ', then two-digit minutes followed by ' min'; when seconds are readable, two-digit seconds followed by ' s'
2 h 36 min
